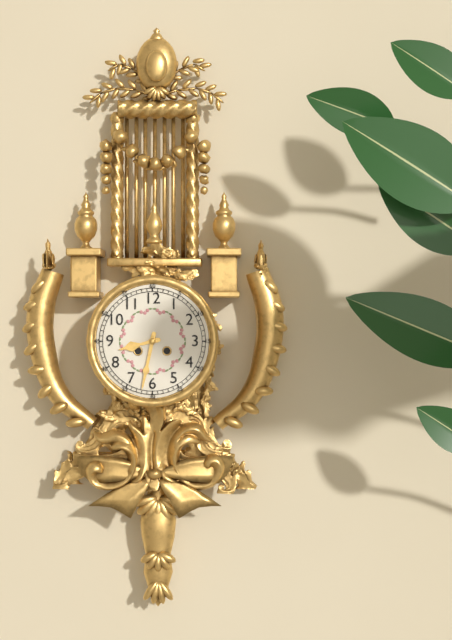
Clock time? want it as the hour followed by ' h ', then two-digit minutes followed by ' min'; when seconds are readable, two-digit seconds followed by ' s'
8 h 32 min
